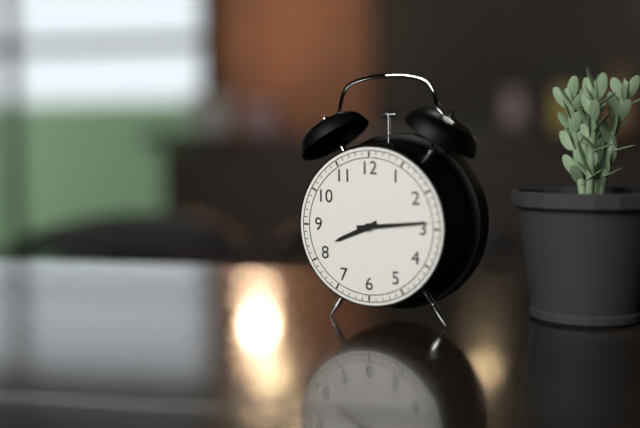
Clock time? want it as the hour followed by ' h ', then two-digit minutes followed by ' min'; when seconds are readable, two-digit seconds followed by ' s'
8 h 14 min
